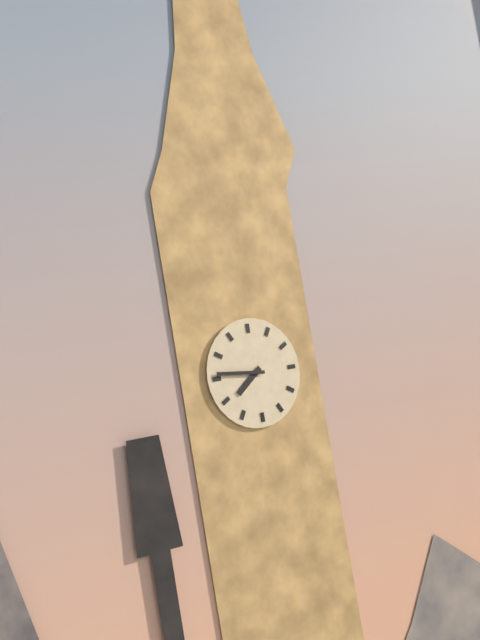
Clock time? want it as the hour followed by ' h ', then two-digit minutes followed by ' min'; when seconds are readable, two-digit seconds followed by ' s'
7 h 46 min
